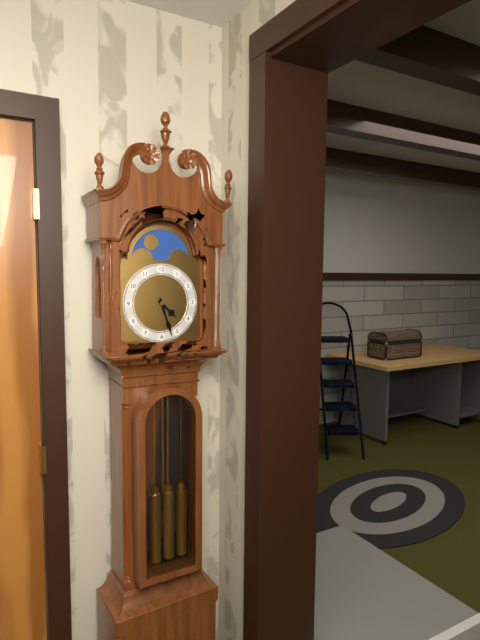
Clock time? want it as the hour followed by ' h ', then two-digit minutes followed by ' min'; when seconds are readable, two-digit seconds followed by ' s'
4 h 27 min
